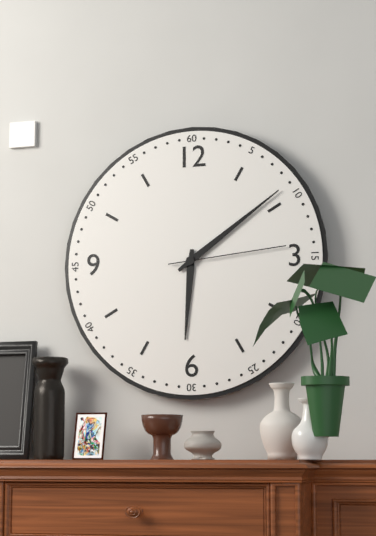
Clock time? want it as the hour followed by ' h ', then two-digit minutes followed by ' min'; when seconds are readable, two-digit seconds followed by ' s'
6 h 09 min 14 s
